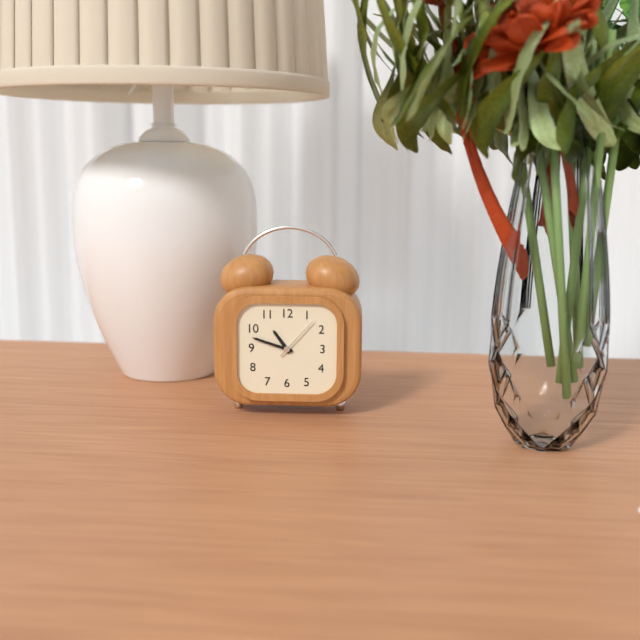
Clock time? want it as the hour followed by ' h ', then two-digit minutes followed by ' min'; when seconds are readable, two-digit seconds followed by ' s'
10 h 48 min
